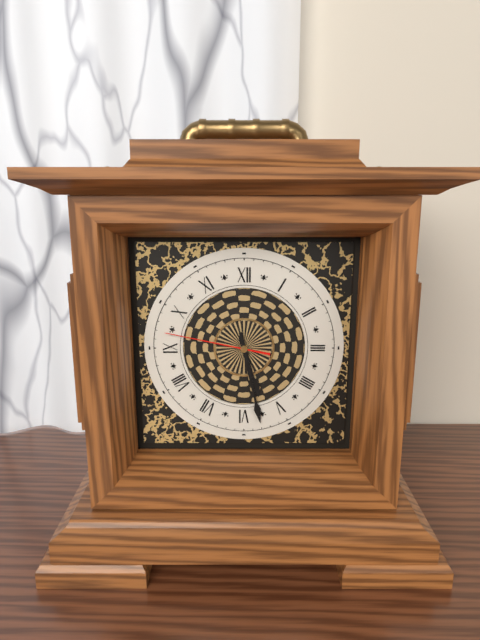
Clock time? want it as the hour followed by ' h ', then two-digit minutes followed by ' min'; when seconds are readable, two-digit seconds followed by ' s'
5 h 28 min 47 s
